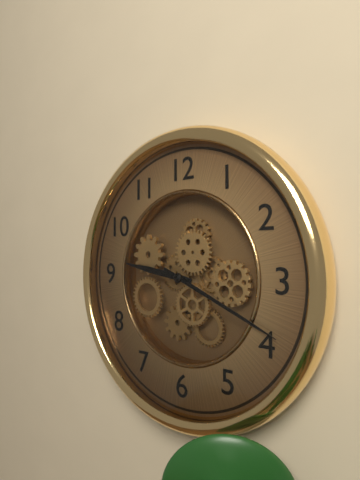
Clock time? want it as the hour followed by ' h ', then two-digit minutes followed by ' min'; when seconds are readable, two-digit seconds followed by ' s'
9 h 19 min
